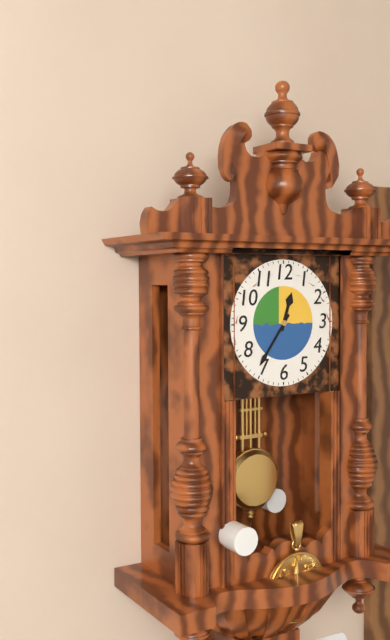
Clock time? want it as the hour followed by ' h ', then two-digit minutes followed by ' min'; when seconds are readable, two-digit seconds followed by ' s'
12 h 36 min
